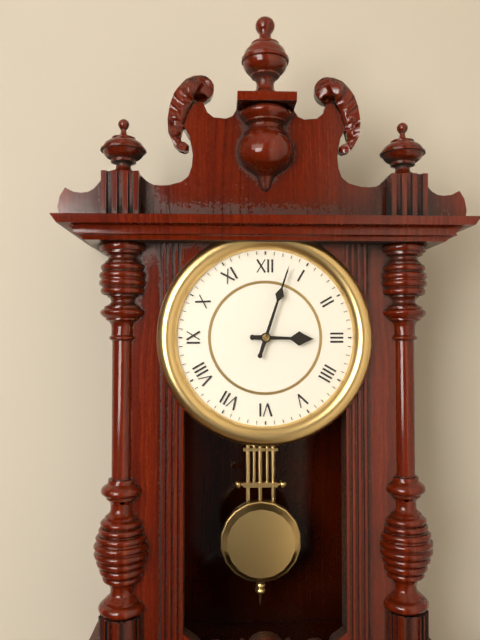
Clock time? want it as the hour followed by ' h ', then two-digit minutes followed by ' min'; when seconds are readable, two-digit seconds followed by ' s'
3 h 03 min
